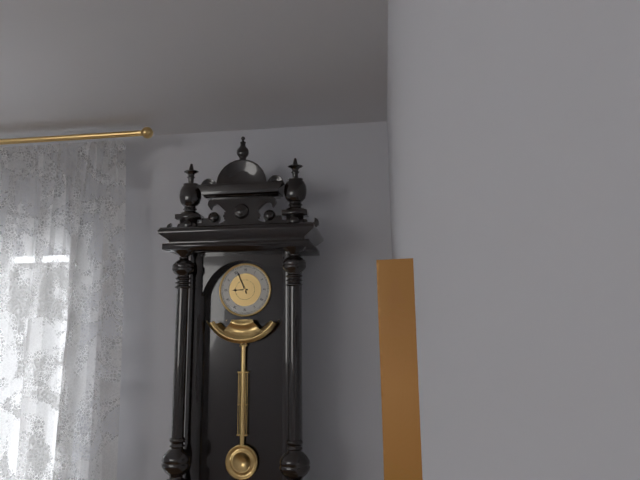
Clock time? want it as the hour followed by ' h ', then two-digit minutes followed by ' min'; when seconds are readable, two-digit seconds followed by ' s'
8 h 56 min
